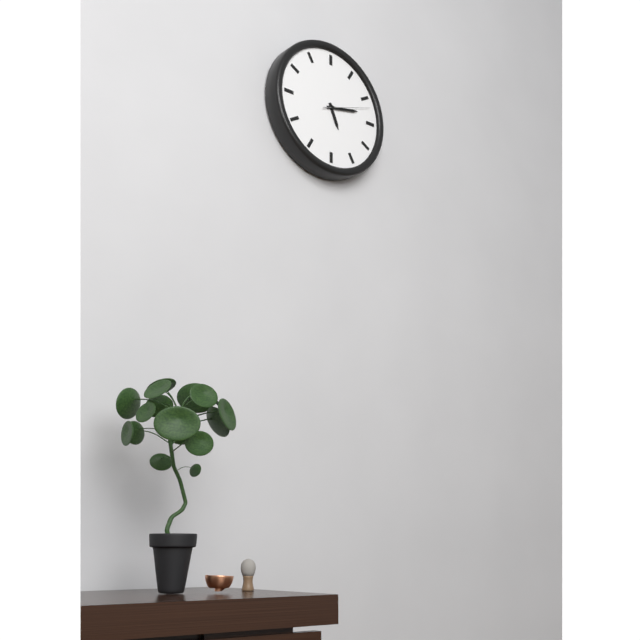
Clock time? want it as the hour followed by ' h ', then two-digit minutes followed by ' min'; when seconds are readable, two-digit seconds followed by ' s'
5 h 13 min 12 s
